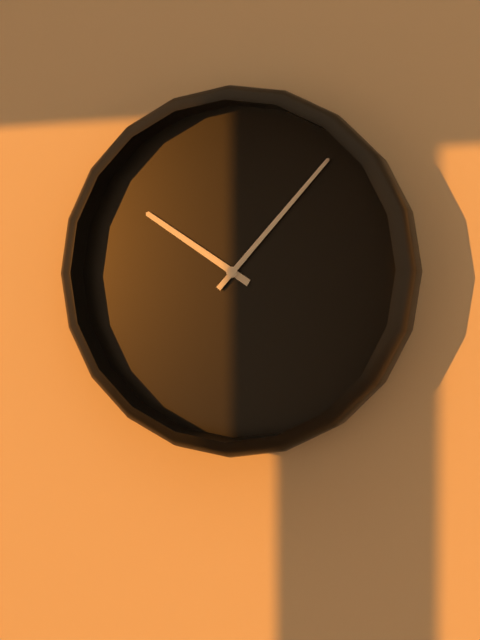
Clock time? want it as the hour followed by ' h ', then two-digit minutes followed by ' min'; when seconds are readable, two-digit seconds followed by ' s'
10 h 07 min
